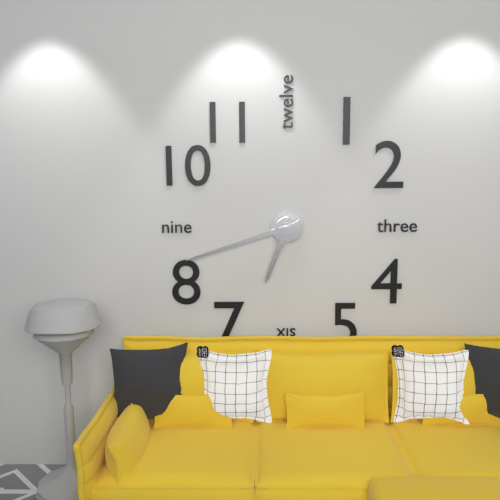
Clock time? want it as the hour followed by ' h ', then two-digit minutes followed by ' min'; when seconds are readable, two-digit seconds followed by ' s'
6 h 42 min
